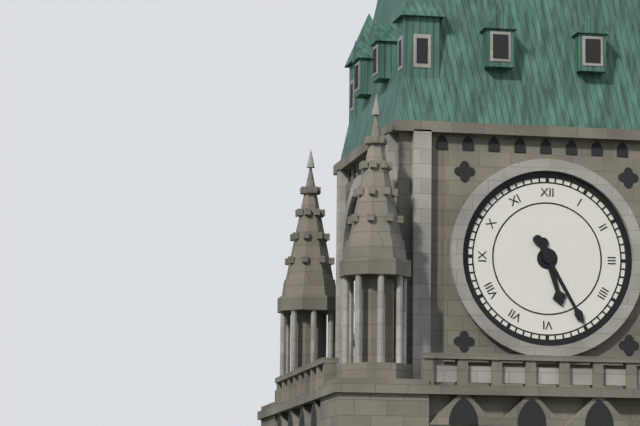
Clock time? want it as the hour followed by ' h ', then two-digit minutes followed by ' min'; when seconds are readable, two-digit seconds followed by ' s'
5 h 25 min
